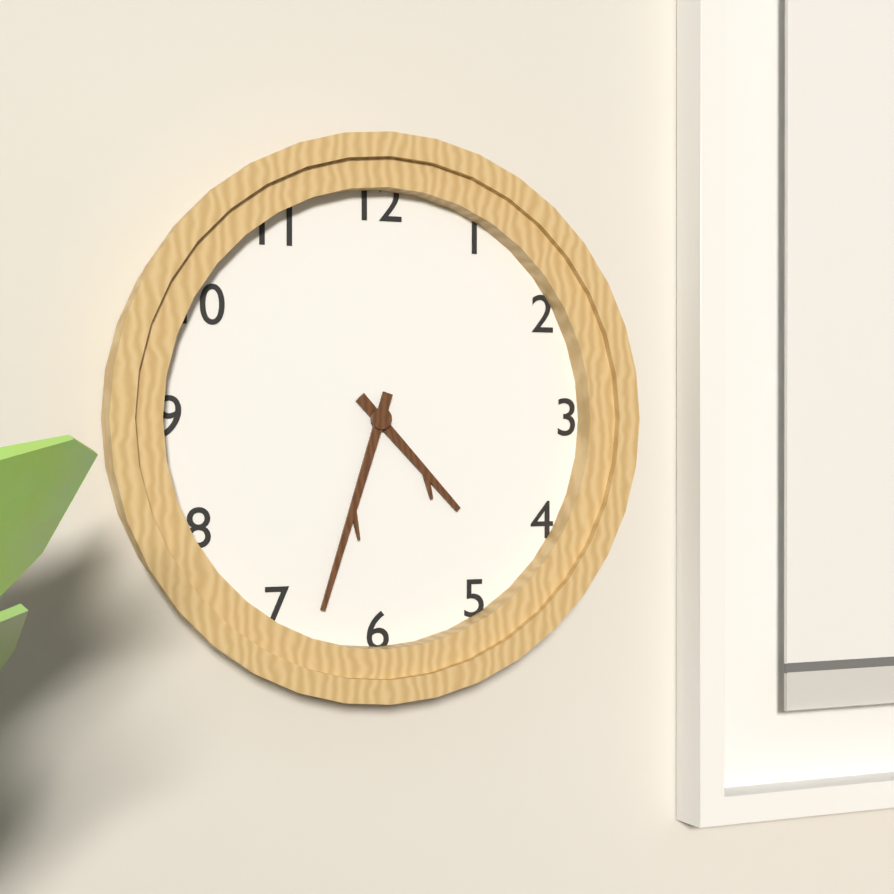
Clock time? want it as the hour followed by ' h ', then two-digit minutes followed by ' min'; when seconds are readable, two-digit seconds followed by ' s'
4 h 33 min
